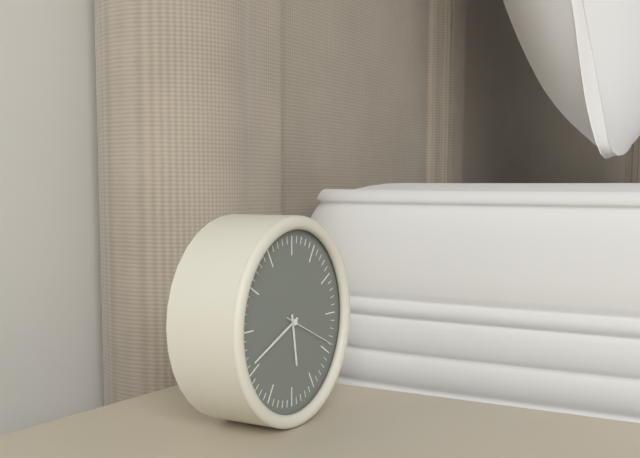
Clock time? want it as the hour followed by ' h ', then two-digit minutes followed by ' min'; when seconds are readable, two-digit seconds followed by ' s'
5 h 41 min 19 s
